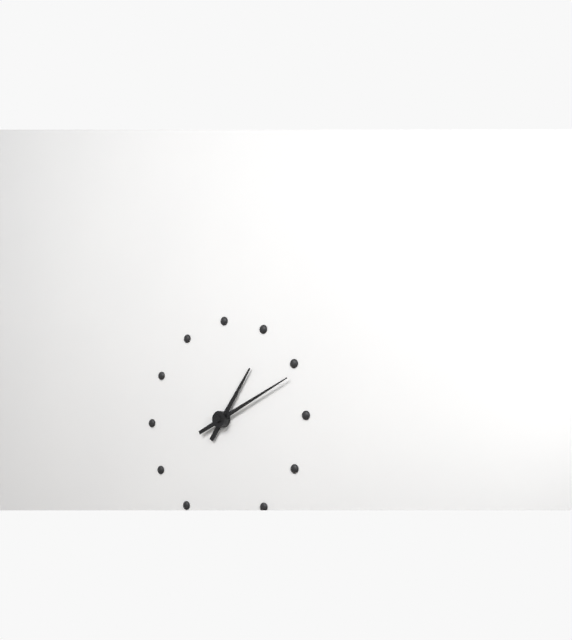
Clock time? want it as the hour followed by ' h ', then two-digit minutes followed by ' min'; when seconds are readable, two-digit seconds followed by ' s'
1 h 11 min
